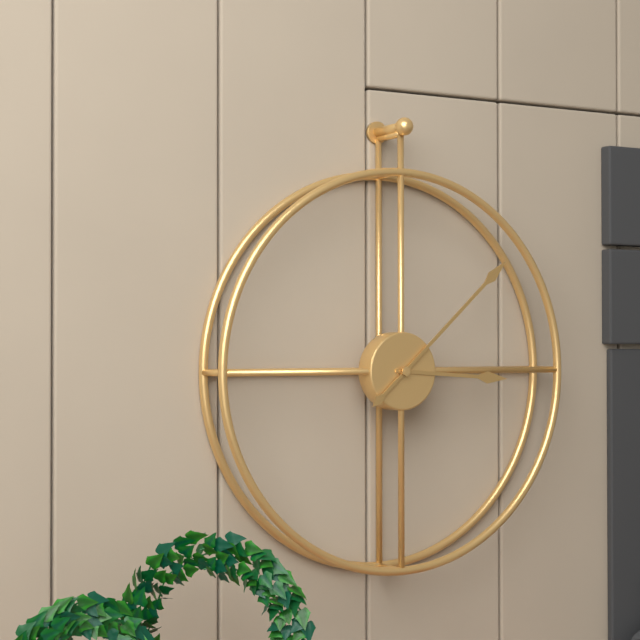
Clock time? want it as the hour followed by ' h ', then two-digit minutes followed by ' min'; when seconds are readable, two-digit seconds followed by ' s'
3 h 08 min
